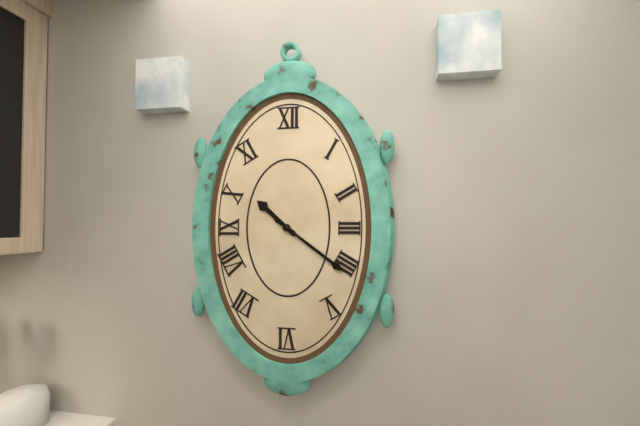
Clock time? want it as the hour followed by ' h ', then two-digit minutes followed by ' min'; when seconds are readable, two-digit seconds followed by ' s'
10 h 21 min
